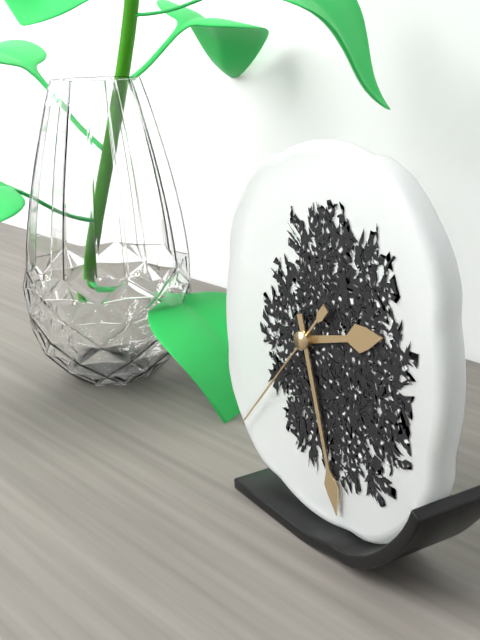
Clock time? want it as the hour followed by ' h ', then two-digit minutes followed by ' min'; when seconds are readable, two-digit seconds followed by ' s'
2 h 27 min 37 s
